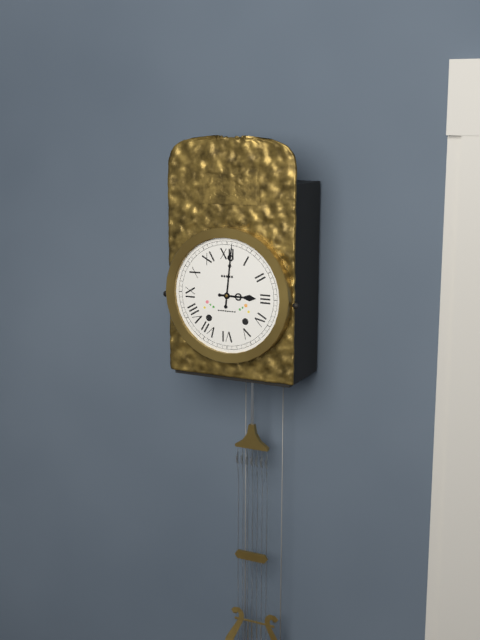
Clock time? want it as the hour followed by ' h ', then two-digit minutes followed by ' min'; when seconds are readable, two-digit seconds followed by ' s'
3 h 01 min
